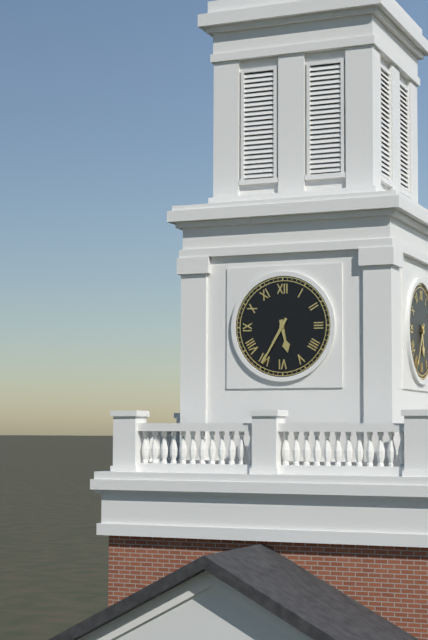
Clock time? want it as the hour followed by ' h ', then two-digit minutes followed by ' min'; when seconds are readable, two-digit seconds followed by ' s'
5 h 35 min
